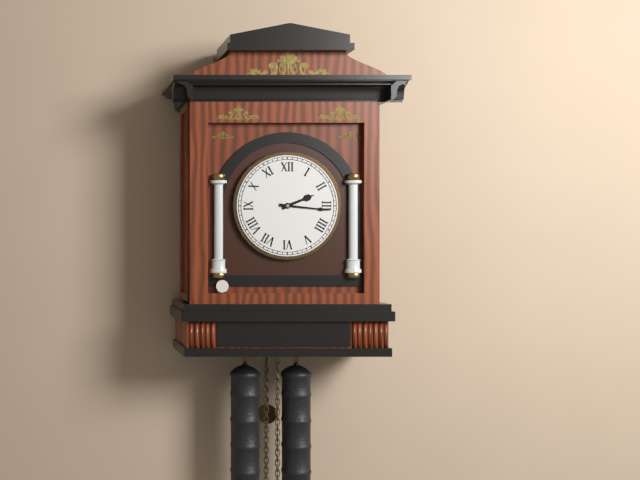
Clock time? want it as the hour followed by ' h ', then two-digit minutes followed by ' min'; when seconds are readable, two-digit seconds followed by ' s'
2 h 16 min
